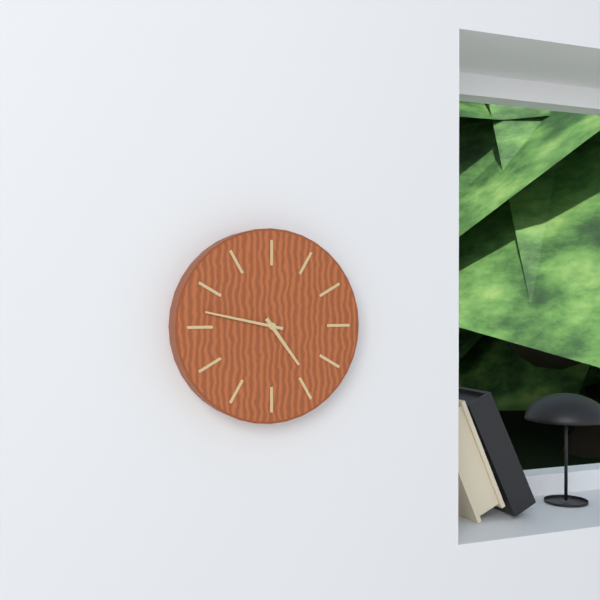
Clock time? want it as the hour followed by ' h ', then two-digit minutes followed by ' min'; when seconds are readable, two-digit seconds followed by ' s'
4 h 47 min
